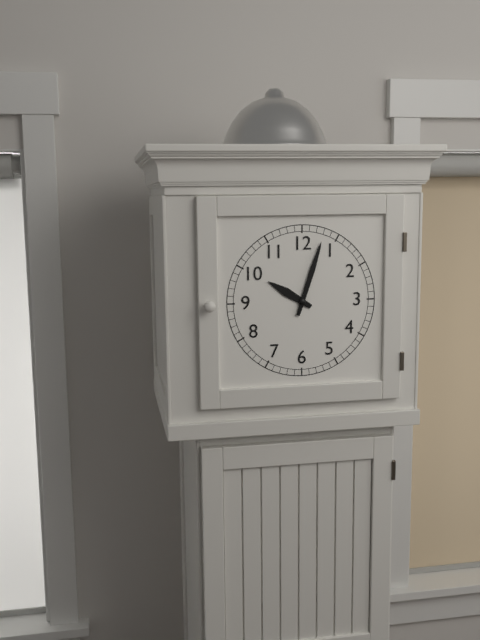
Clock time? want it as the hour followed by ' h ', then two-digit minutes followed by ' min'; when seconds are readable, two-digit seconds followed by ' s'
10 h 03 min
